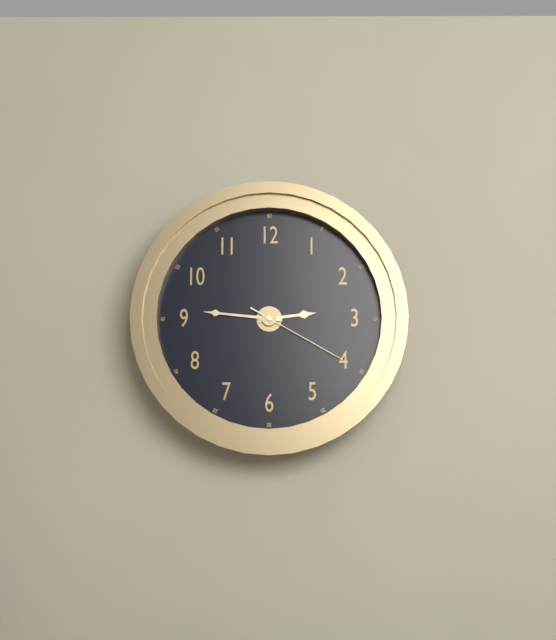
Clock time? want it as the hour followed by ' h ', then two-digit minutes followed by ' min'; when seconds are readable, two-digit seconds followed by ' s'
2 h 46 min 20 s
